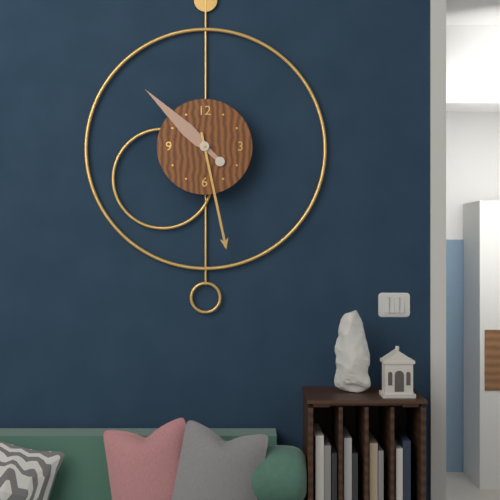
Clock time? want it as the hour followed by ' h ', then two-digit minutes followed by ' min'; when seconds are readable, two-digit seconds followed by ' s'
10 h 28 min
